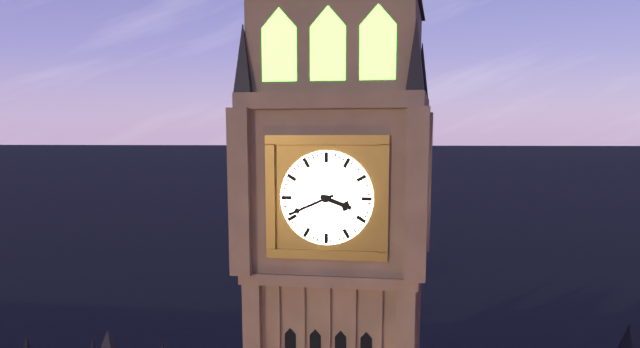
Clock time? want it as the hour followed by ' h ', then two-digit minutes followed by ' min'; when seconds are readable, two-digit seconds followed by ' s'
3 h 41 min
